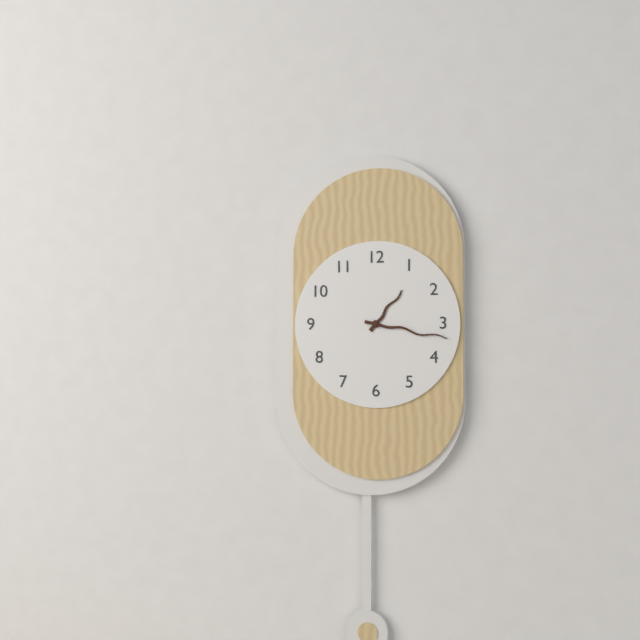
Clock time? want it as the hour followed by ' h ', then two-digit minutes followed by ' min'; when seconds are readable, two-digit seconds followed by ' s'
1 h 17 min
